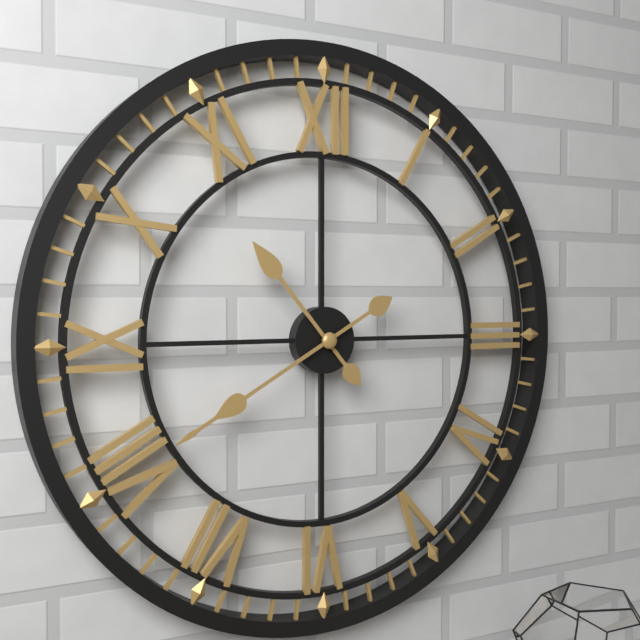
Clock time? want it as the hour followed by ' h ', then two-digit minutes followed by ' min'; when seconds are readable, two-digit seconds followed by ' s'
10 h 40 min
